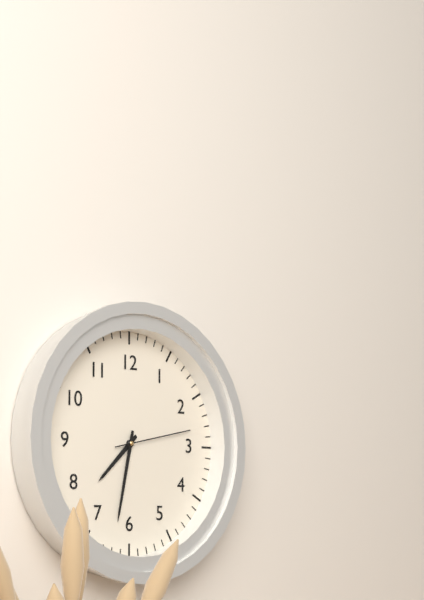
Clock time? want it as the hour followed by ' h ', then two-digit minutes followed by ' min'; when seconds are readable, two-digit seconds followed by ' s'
7 h 32 min 13 s
